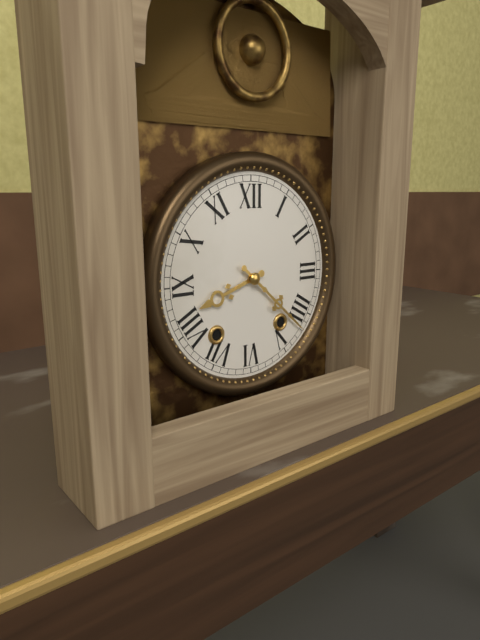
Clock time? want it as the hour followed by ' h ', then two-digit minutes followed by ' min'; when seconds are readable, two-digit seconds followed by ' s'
8 h 22 min
